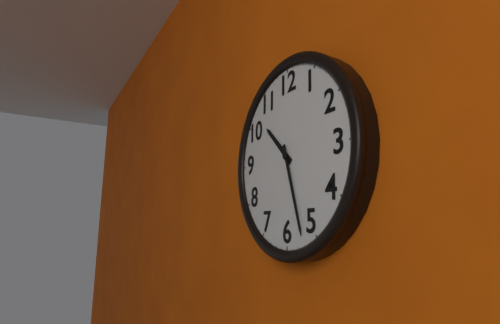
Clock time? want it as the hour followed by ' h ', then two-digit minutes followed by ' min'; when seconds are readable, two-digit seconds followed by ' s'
10 h 27 min
